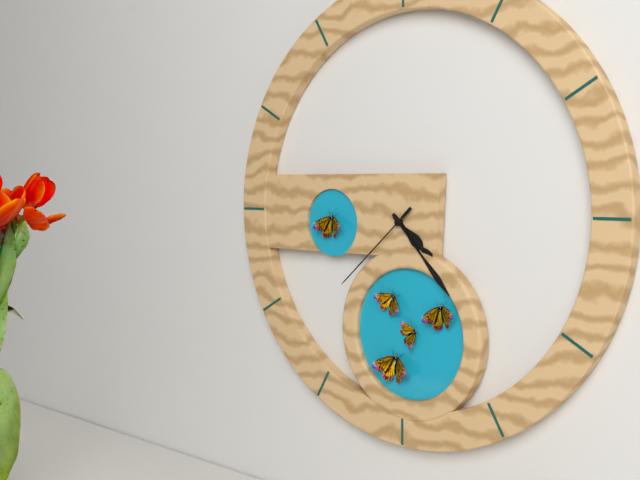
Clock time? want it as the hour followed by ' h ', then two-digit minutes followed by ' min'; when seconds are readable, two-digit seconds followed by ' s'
4 h 23 min 38 s
